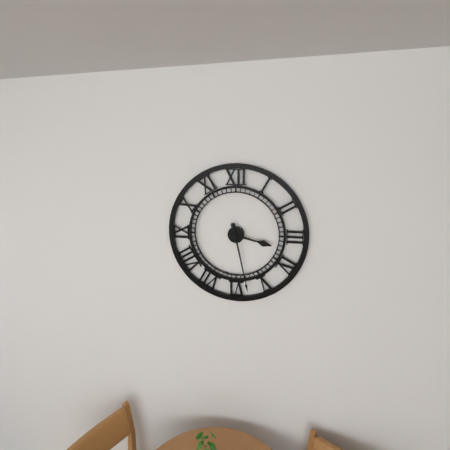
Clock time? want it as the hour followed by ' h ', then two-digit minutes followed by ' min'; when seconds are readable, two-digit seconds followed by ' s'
3 h 28 min
